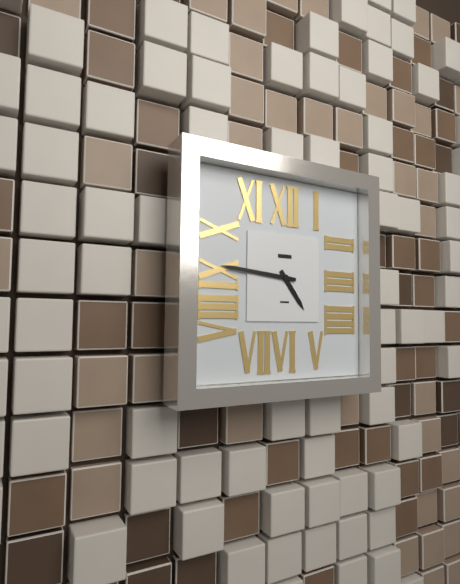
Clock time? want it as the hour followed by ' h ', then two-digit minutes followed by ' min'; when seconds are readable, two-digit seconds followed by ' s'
4 h 46 min
